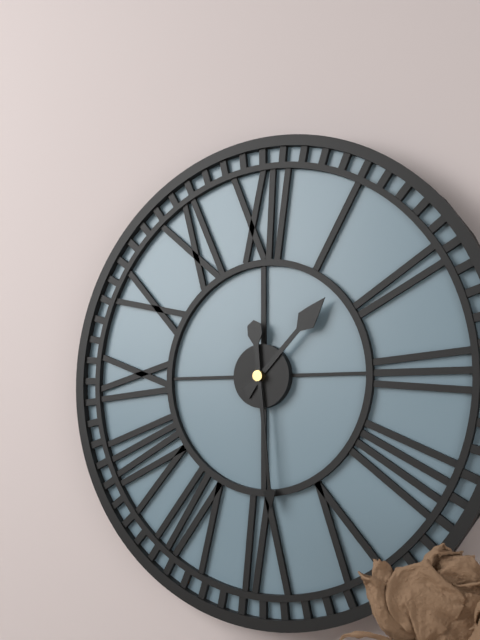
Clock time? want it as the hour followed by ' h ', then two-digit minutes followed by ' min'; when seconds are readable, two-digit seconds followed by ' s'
1 h 29 min
